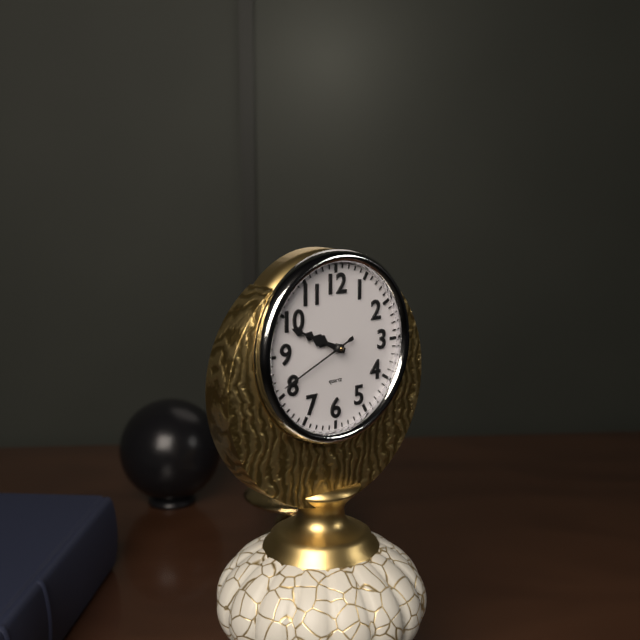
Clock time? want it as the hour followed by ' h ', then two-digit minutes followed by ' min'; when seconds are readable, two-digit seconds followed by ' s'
9 h 49 min 41 s
